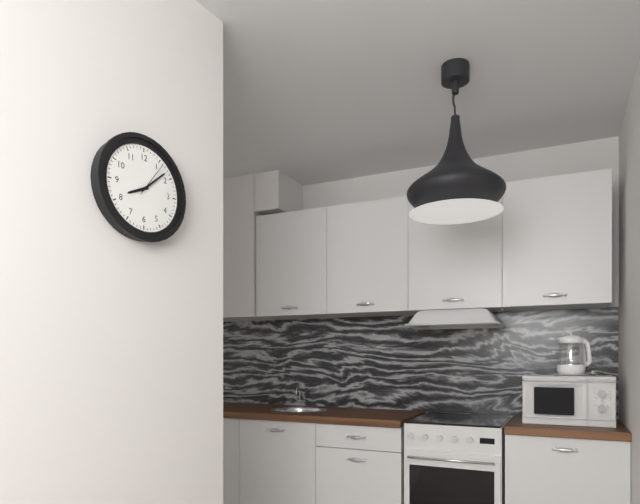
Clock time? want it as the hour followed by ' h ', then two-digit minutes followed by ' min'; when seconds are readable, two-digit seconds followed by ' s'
8 h 08 min
